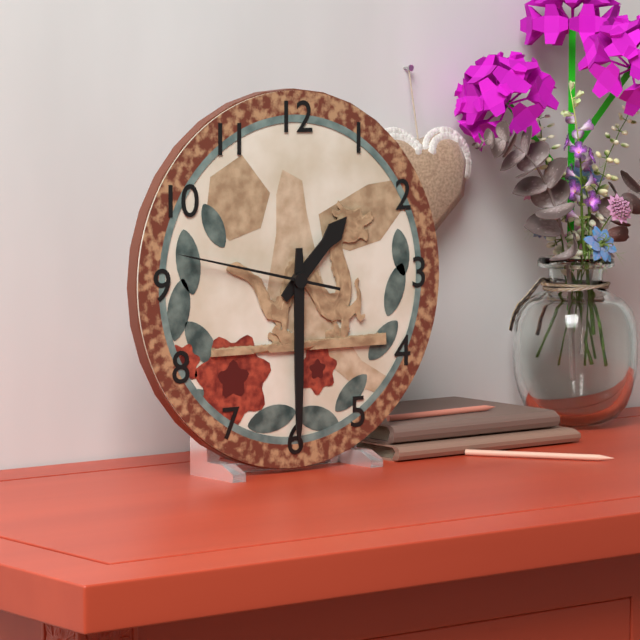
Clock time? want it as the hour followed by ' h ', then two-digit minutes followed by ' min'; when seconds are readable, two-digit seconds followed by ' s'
1 h 30 min 47 s
